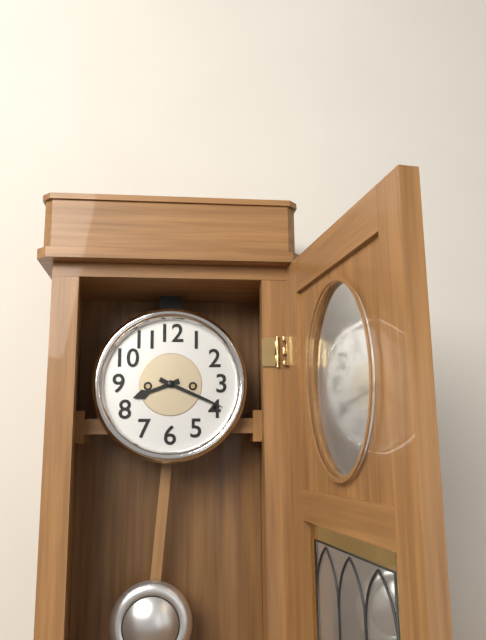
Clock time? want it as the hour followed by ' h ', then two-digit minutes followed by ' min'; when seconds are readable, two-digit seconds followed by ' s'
8 h 19 min
